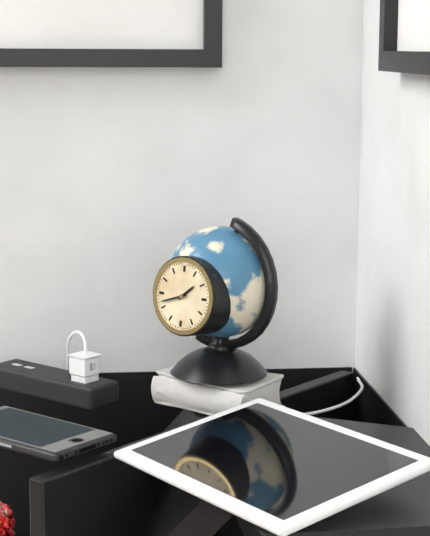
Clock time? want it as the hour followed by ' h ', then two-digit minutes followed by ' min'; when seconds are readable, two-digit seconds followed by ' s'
1 h 42 min
